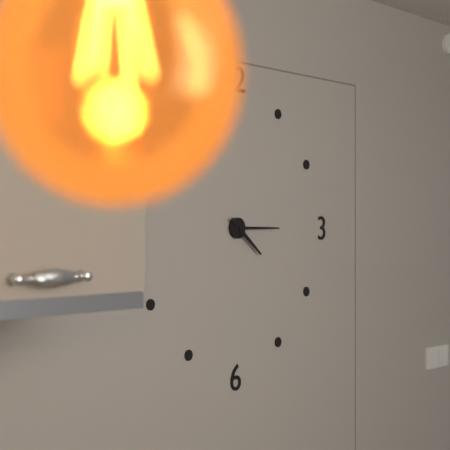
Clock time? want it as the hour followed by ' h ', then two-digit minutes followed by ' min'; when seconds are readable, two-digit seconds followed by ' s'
4 h 15 min
